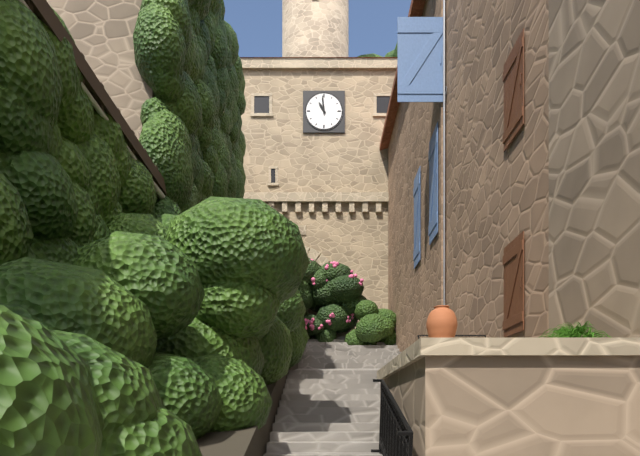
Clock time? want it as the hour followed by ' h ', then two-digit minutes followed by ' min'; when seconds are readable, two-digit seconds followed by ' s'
10 h 59 min
